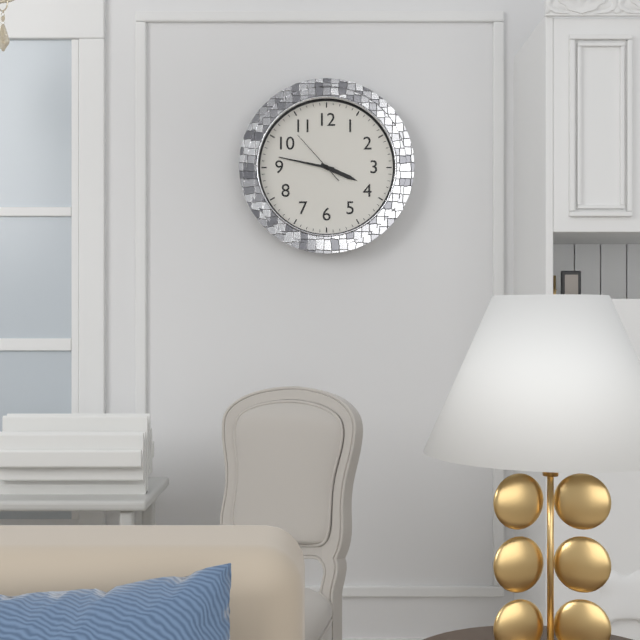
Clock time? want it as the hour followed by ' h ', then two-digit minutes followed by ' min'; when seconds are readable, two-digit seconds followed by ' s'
3 h 47 min 53 s
